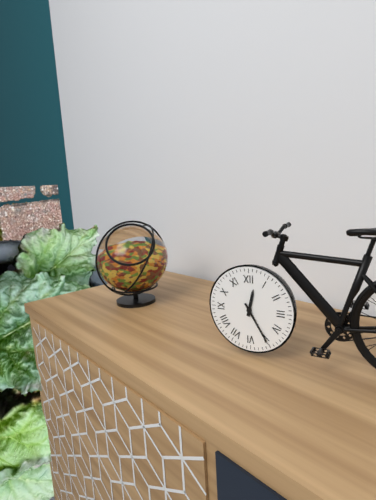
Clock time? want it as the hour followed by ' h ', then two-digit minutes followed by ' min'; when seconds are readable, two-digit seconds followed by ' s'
12 h 25 min
